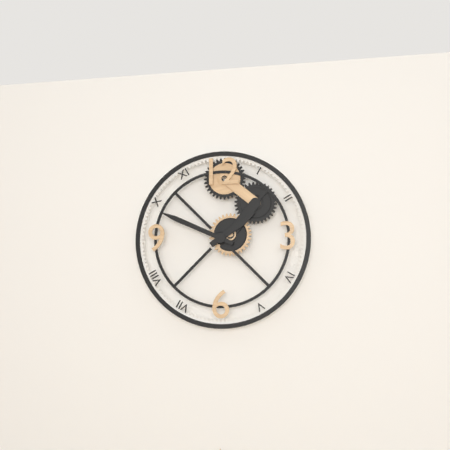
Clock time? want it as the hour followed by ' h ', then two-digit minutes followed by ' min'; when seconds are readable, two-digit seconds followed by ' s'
1 h 49 min
